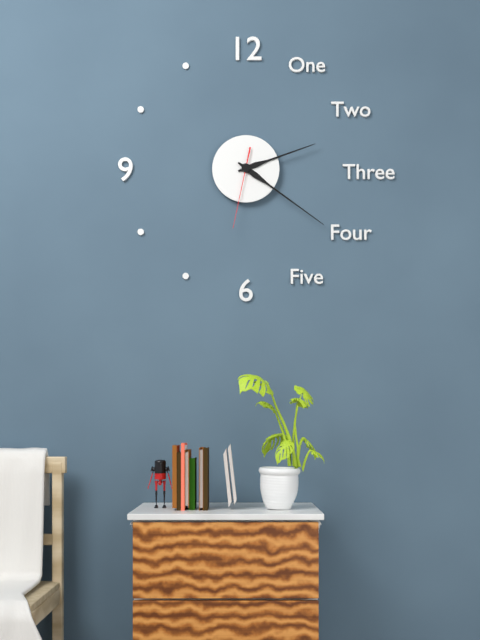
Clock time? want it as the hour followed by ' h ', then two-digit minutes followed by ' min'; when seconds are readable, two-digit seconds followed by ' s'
2 h 21 min 32 s
